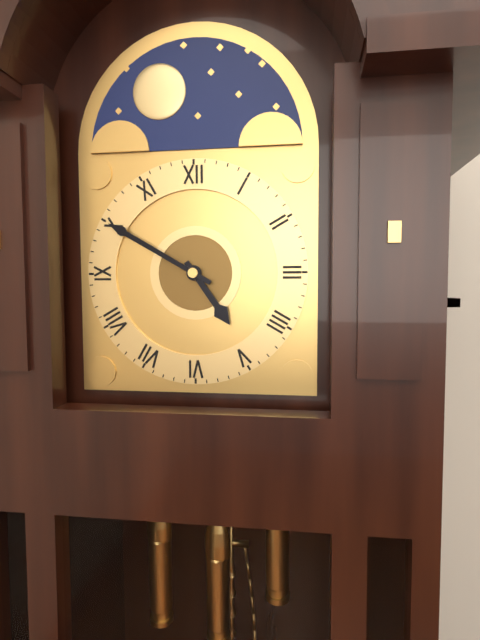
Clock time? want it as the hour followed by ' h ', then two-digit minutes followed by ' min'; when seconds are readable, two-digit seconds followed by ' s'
4 h 50 min
